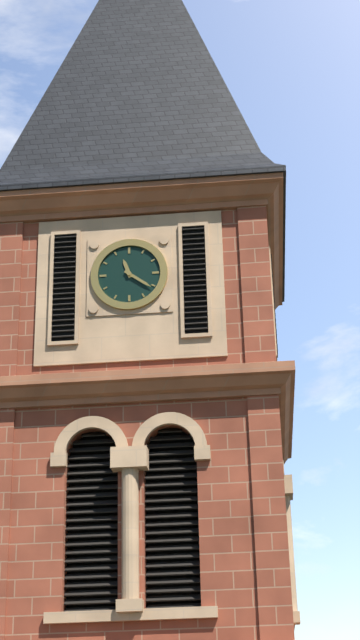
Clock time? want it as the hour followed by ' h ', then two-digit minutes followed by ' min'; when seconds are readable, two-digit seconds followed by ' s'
11 h 21 min
